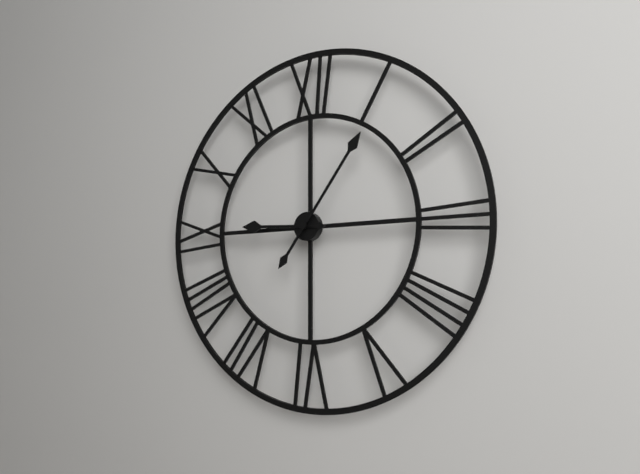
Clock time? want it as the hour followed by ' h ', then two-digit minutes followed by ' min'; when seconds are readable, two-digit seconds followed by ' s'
9 h 06 min
